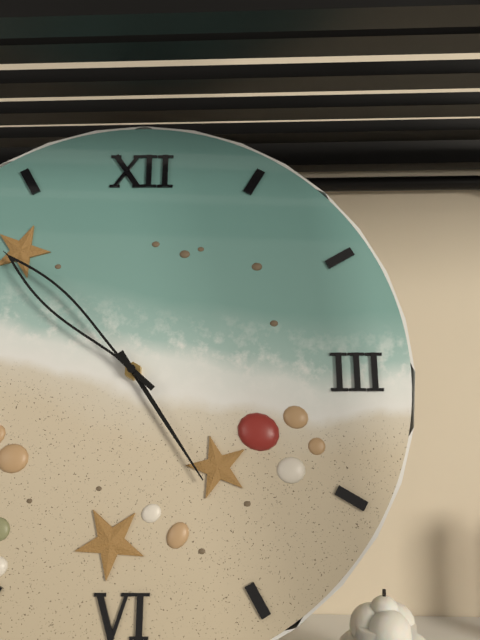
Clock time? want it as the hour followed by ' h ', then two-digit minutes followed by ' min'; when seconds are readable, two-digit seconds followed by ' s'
4 h 52 min
